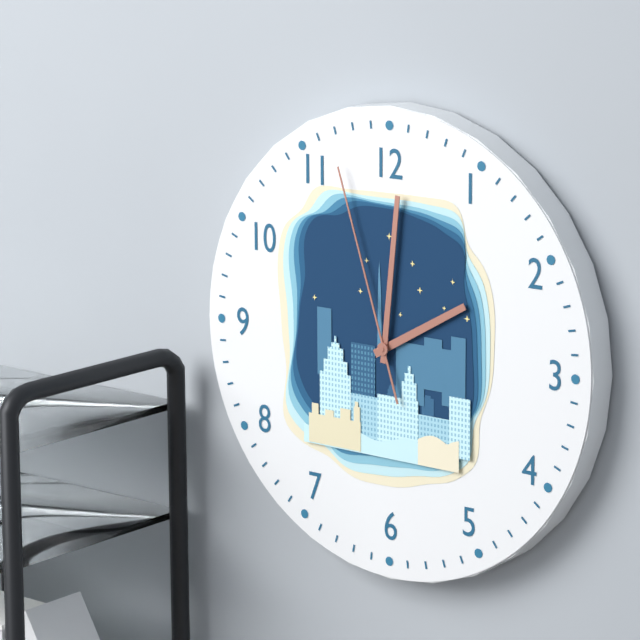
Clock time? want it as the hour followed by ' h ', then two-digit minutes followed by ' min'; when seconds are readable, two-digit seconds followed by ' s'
2 h 01 min 57 s
